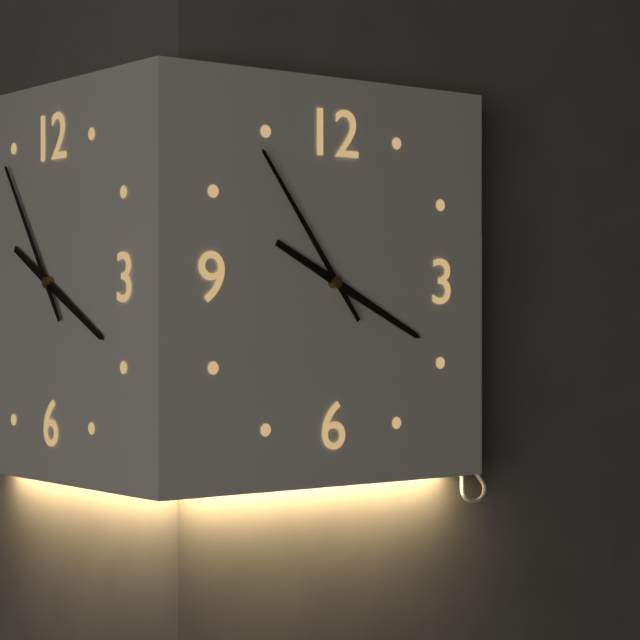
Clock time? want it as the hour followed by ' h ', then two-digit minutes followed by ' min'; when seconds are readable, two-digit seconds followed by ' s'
3 h 54 min
